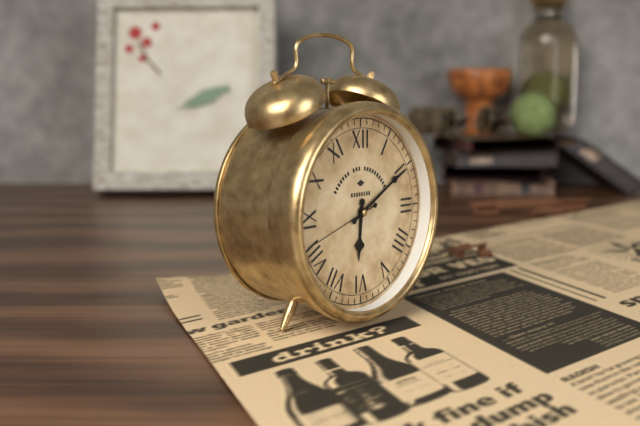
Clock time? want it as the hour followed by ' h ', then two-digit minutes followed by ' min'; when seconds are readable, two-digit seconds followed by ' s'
6 h 10 min 42 s
